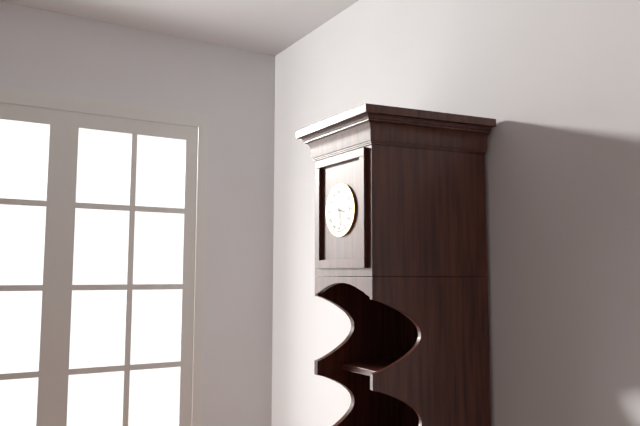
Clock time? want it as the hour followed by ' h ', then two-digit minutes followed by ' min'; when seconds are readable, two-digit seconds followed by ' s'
3 h 28 min
